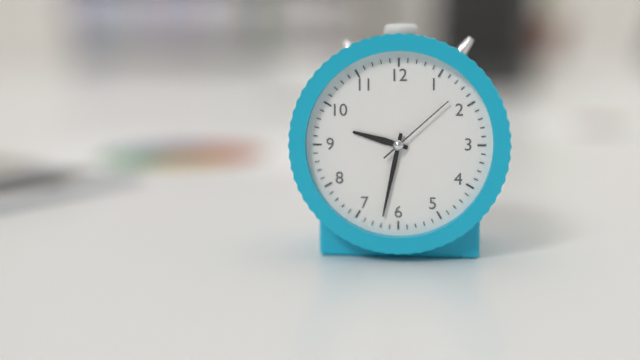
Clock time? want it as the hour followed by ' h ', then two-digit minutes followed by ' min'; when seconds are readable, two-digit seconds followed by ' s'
9 h 32 min 08 s
